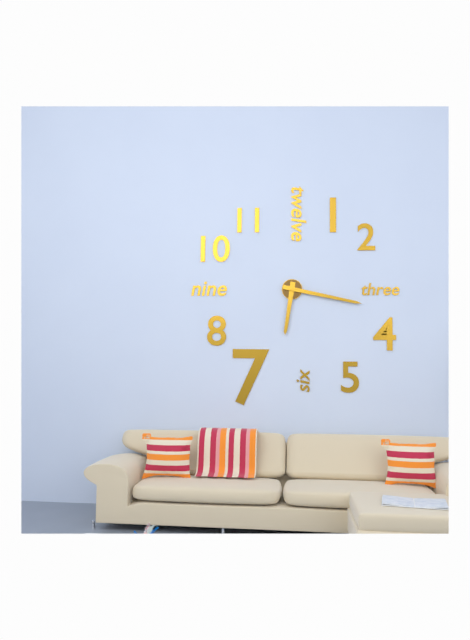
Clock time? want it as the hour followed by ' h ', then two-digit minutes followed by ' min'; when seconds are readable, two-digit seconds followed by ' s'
6 h 17 min
